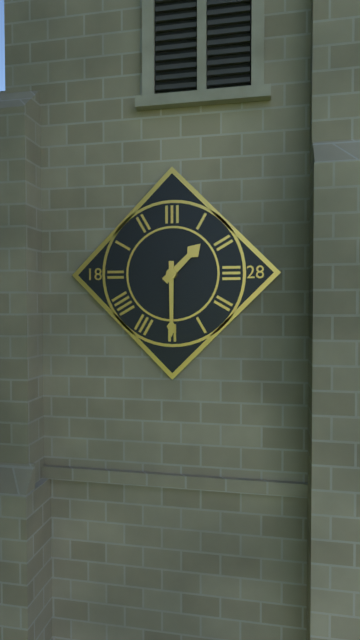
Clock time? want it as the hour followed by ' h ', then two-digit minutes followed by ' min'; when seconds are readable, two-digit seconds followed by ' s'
1 h 30 min
